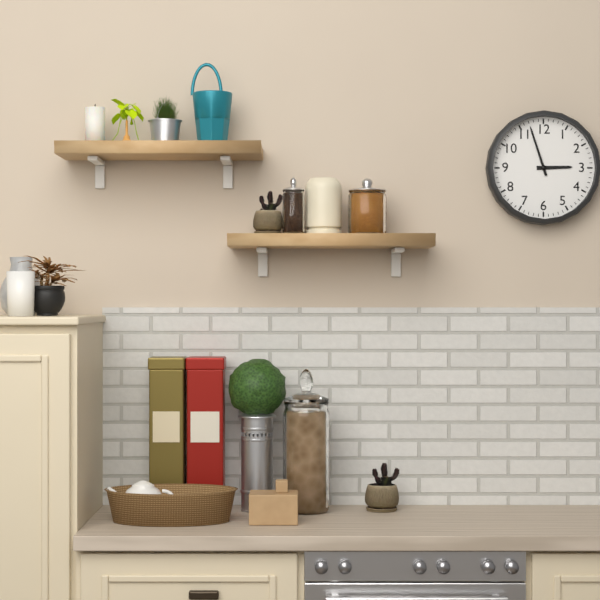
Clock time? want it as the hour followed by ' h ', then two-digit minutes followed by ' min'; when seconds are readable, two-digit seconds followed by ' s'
2 h 57 min
